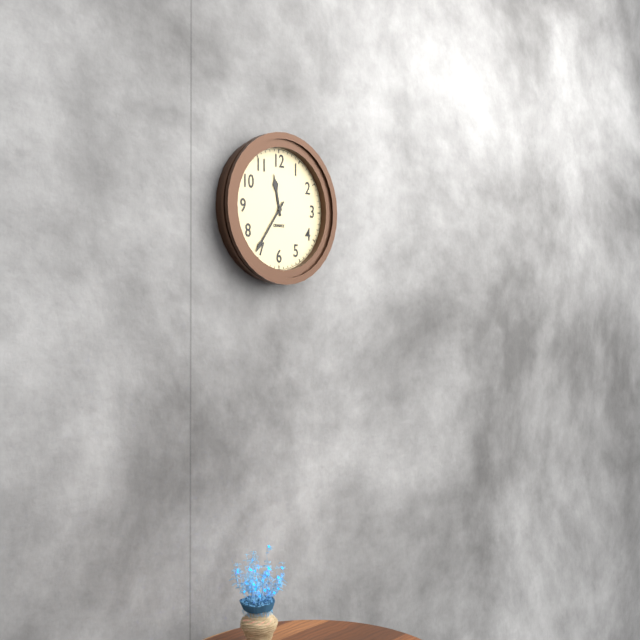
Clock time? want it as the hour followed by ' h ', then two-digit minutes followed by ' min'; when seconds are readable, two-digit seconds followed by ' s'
11 h 36 min
